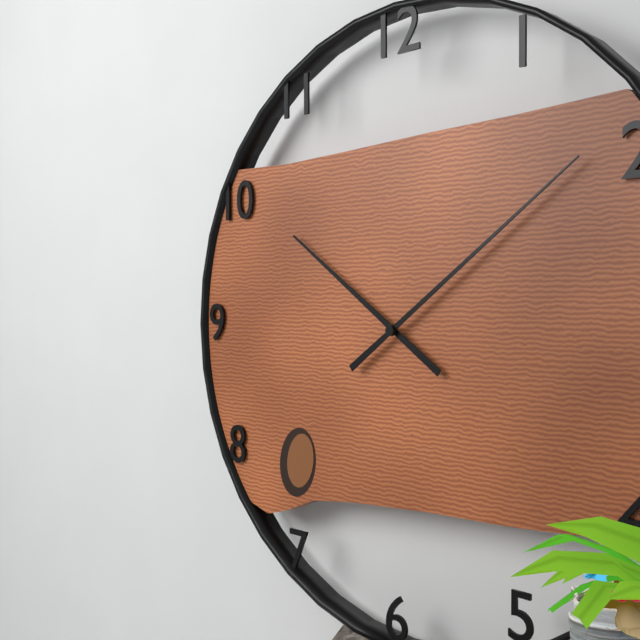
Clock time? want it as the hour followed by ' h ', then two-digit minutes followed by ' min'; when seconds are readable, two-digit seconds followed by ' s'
10 h 09 min
